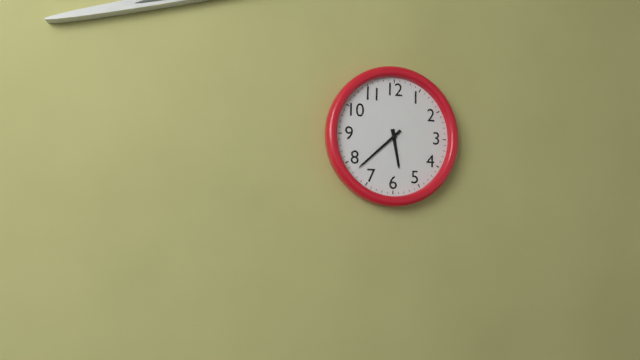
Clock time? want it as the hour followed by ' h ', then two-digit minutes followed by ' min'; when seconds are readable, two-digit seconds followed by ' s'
5 h 38 min
